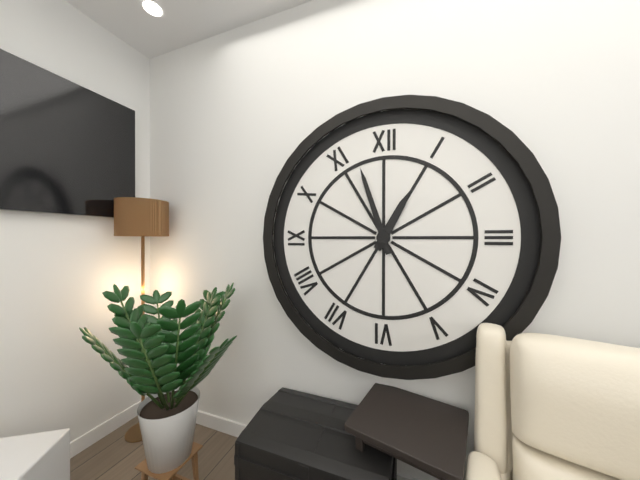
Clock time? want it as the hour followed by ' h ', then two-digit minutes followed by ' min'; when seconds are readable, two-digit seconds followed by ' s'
12 h 57 min
